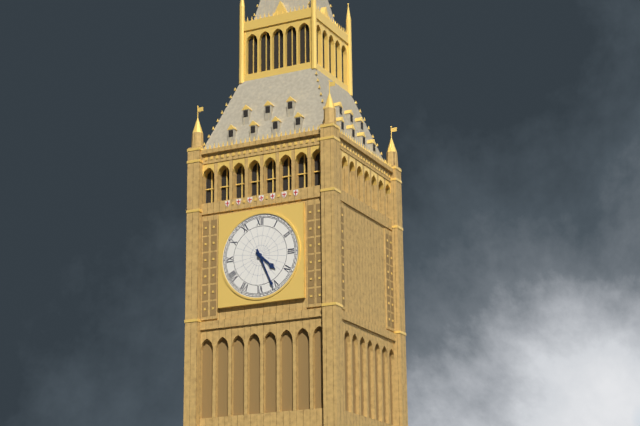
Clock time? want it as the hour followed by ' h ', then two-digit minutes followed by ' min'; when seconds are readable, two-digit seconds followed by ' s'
4 h 26 min
